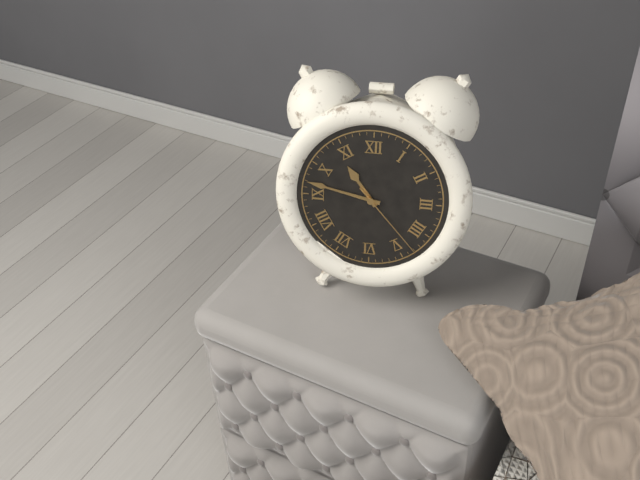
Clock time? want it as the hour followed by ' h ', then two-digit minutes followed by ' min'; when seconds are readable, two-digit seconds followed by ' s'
10 h 47 min 23 s
